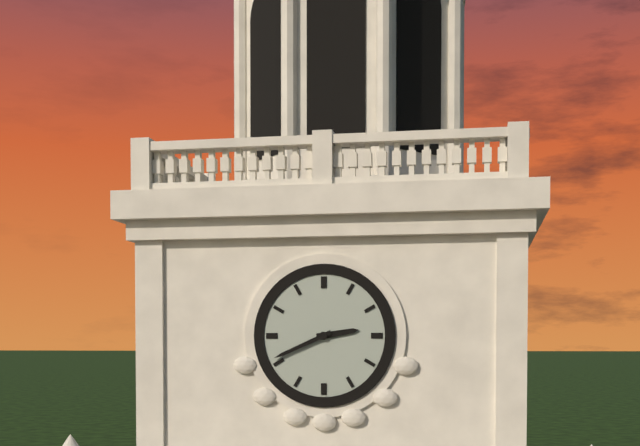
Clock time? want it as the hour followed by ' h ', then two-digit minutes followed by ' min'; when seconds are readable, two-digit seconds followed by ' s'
2 h 41 min
